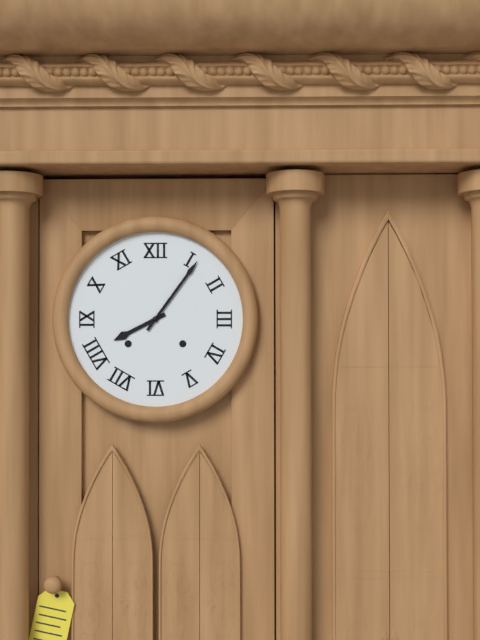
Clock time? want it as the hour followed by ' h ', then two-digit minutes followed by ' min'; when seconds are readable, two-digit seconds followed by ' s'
8 h 06 min
